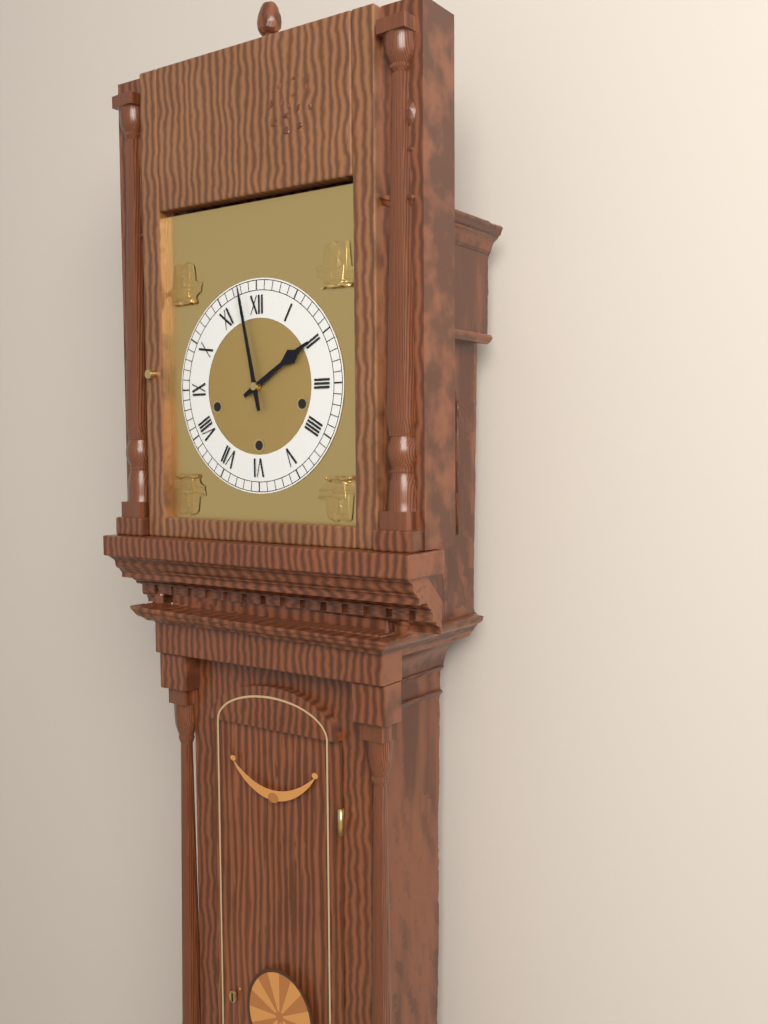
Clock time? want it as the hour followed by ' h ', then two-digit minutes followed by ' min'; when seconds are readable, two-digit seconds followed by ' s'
1 h 58 min
